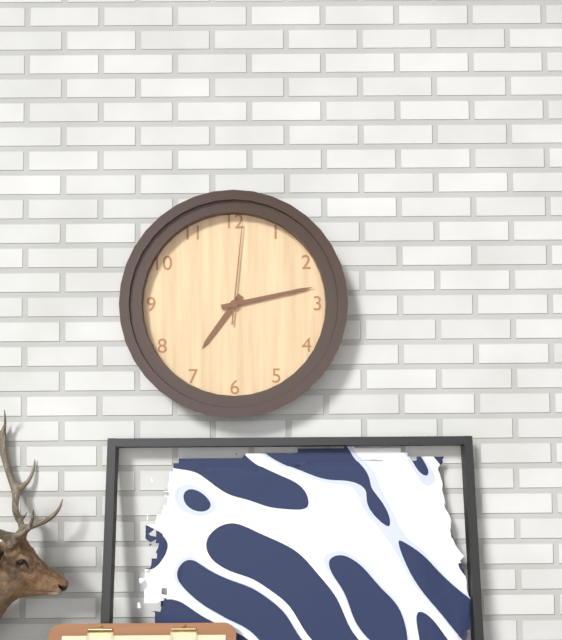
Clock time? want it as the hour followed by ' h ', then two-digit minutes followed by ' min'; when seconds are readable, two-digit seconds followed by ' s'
7 h 13 min 01 s
